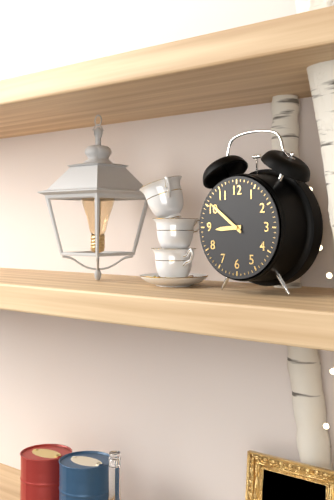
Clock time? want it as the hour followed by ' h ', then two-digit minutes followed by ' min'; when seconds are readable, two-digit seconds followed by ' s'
8 h 51 min
